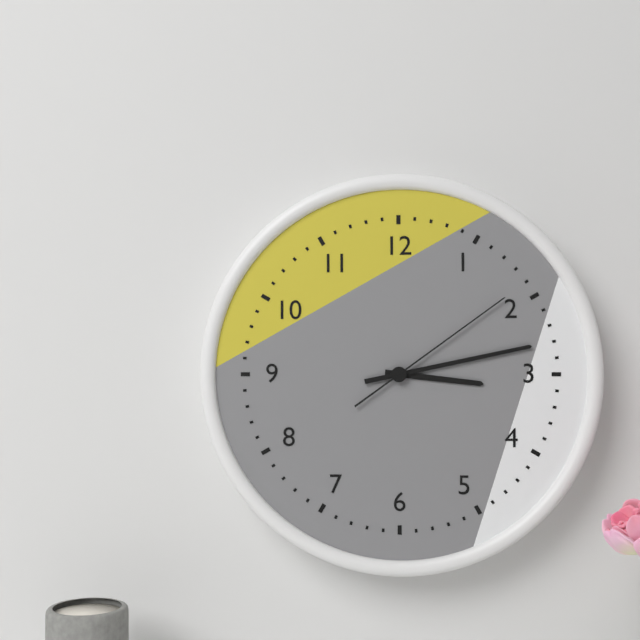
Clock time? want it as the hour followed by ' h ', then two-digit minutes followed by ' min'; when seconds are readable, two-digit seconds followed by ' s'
3 h 13 min 09 s
